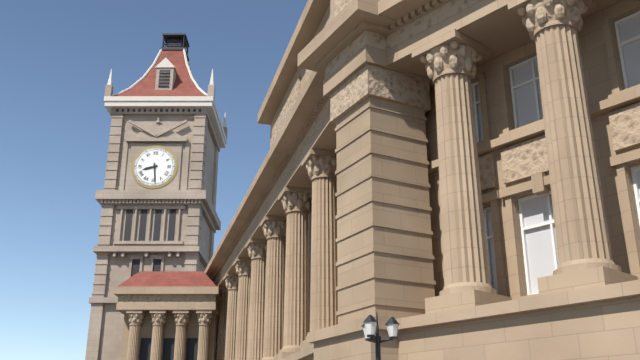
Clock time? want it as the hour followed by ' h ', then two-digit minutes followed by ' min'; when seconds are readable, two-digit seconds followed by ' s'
8 h 29 min
